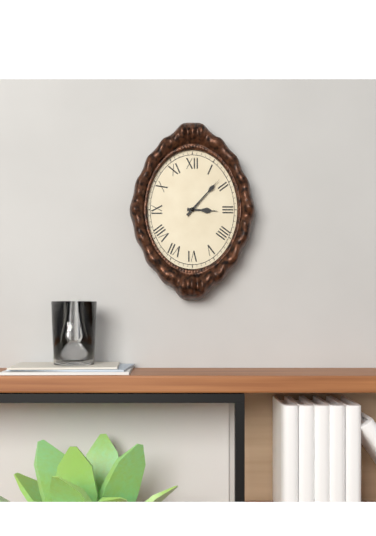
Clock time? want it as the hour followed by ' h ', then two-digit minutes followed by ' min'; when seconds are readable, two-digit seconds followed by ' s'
3 h 07 min
